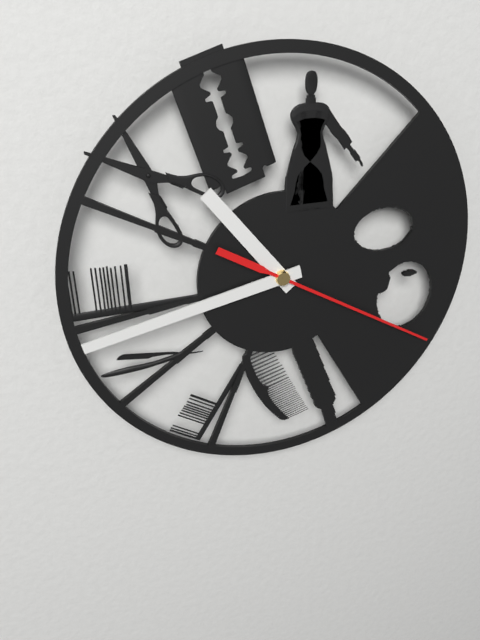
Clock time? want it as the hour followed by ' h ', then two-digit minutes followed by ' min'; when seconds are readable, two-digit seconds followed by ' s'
10 h 43 min 20 s
